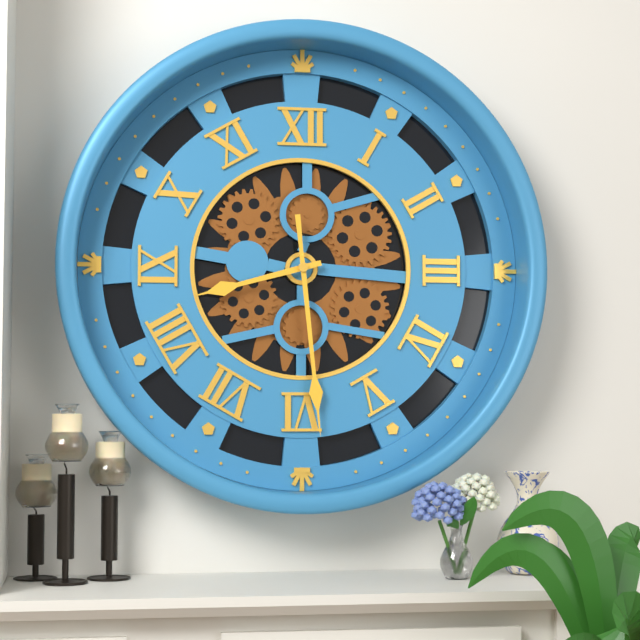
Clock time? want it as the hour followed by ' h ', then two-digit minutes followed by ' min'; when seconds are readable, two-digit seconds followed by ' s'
8 h 29 min
